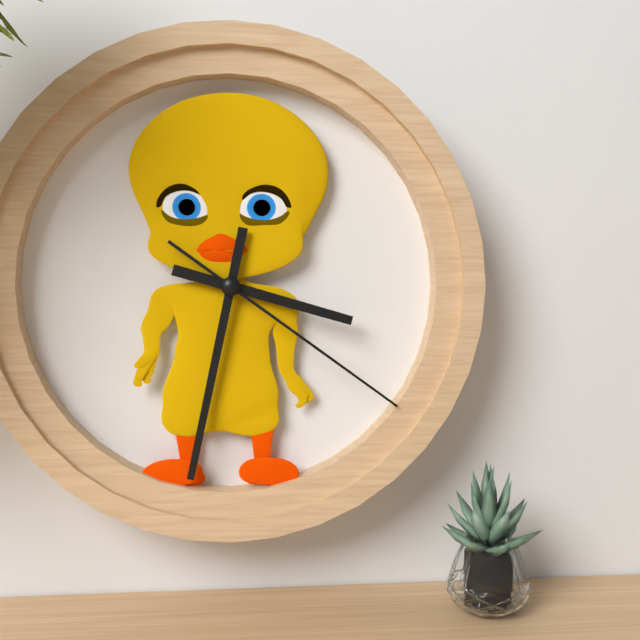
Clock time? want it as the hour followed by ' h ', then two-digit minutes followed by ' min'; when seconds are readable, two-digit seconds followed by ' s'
3 h 32 min 21 s
